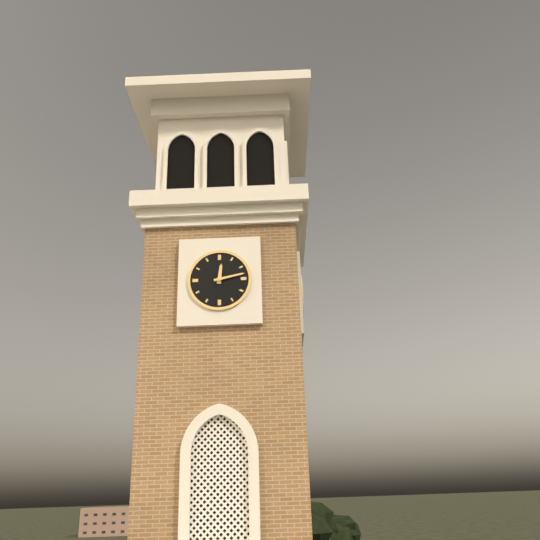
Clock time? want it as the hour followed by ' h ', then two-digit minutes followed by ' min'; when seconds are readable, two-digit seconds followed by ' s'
12 h 13 min
